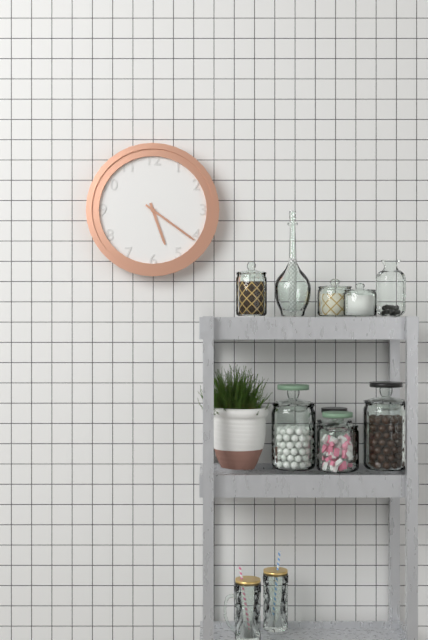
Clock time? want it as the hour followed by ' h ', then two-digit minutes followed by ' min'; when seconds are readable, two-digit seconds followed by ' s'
5 h 21 min
